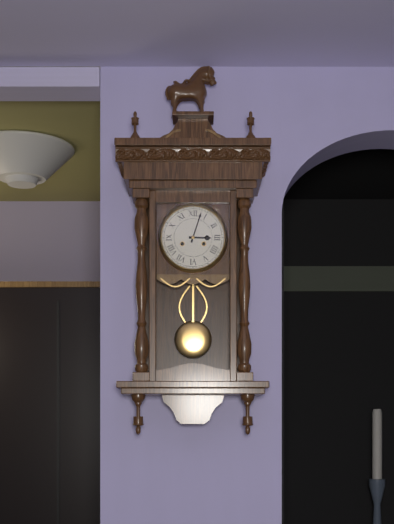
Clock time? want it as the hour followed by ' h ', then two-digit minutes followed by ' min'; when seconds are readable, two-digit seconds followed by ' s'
3 h 03 min
